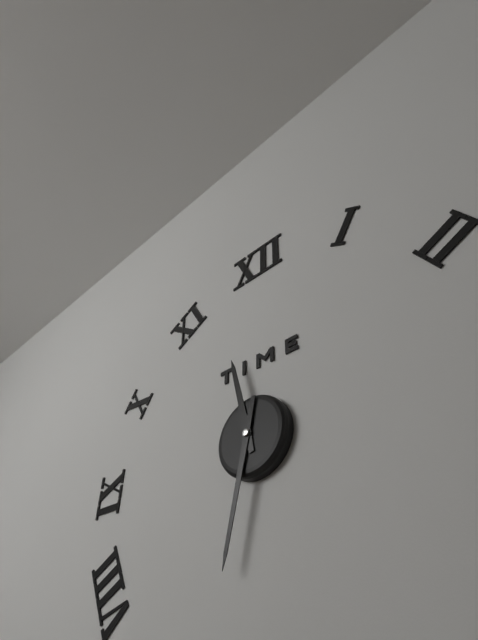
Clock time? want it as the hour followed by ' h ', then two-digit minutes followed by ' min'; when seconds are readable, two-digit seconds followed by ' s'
11 h 32 min
